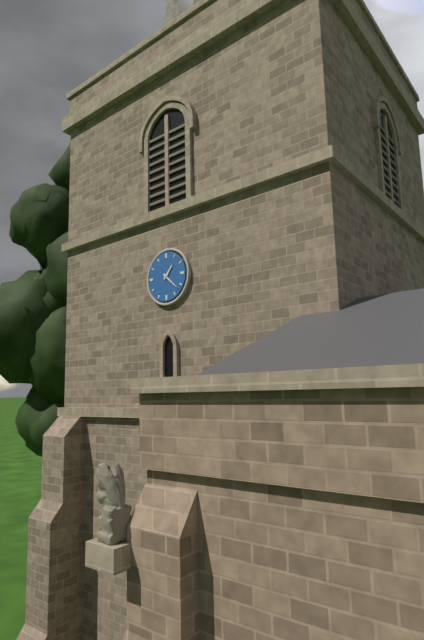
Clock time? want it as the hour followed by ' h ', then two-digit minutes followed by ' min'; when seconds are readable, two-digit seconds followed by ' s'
1 h 22 min
